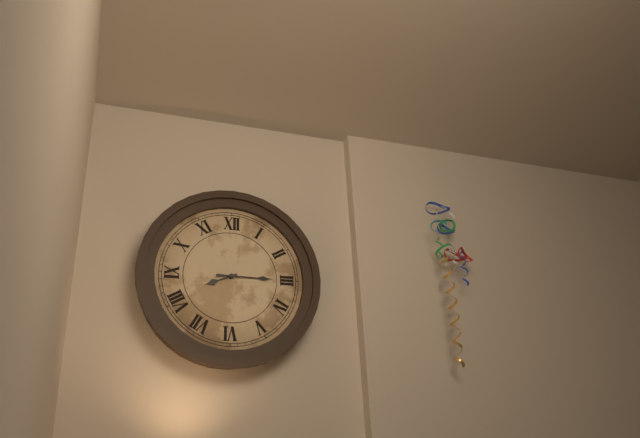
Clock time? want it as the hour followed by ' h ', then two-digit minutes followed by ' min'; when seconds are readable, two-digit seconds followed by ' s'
8 h 15 min
